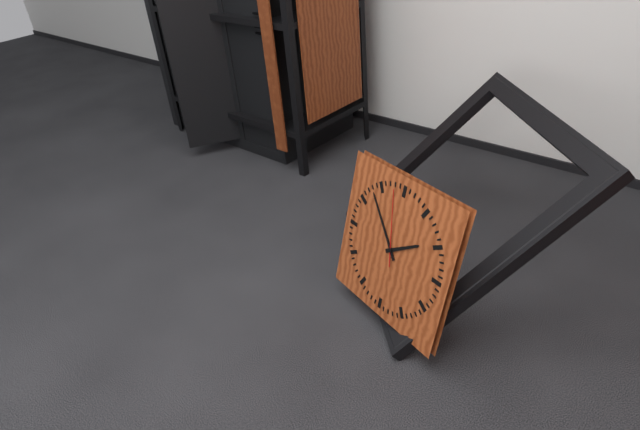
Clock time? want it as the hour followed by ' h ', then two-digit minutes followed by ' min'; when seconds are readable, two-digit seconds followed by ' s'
1 h 53 min 58 s
